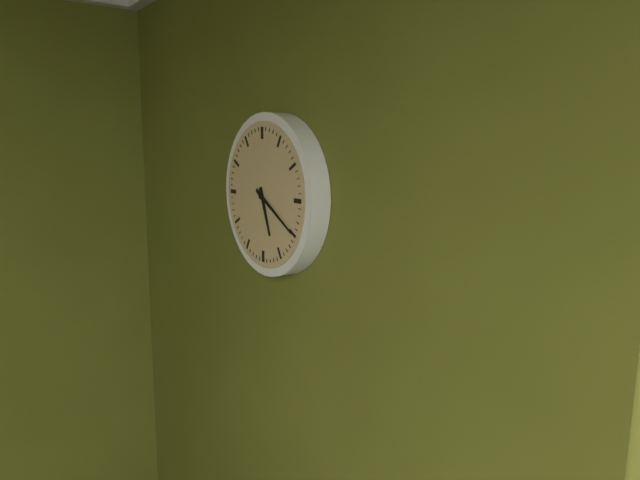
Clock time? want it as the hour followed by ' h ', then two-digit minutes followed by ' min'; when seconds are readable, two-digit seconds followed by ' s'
5 h 20 min
